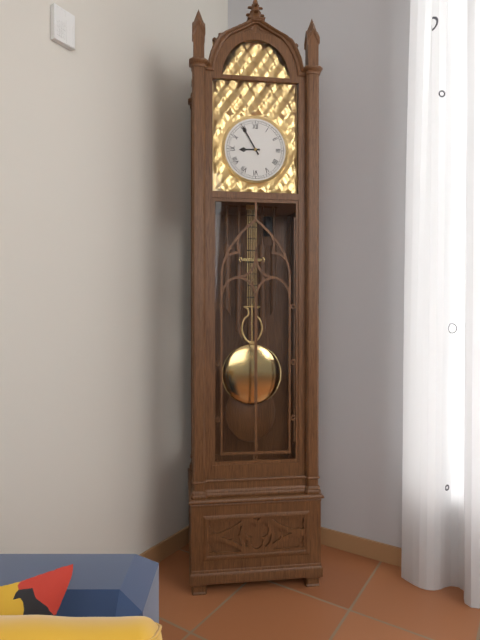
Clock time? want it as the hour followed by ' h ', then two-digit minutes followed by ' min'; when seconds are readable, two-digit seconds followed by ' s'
8 h 55 min
